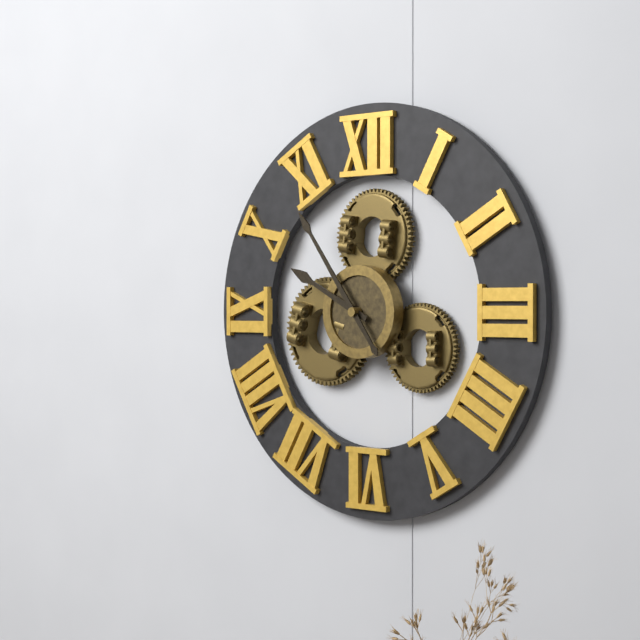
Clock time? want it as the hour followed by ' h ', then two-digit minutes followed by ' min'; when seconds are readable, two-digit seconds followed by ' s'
9 h 54 min
